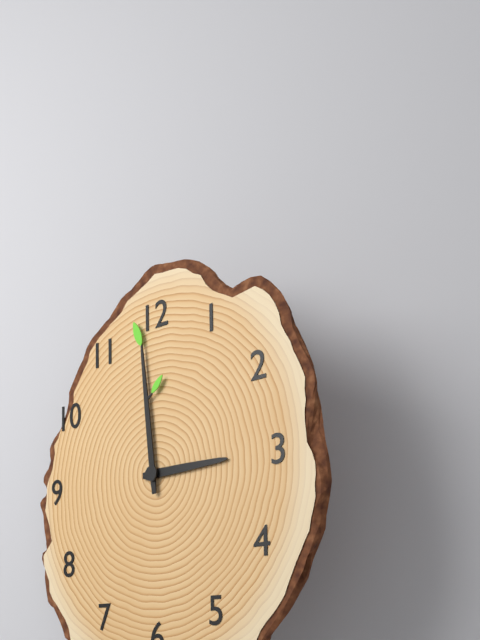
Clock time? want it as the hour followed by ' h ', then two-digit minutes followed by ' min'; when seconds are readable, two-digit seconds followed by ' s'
2 h 59 min
